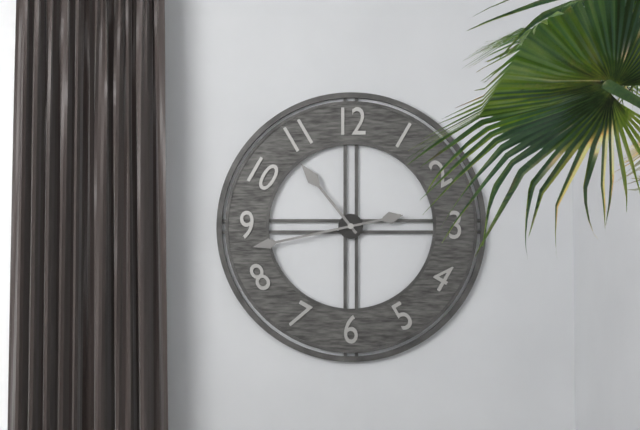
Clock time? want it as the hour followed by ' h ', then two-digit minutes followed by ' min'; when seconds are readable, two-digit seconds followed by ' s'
10 h 43 min
